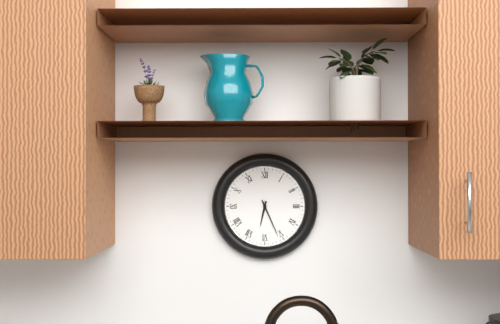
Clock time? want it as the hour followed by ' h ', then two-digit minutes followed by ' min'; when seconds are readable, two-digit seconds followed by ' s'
6 h 26 min
